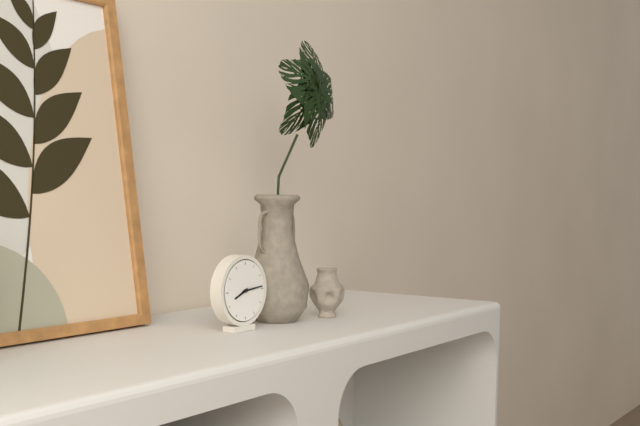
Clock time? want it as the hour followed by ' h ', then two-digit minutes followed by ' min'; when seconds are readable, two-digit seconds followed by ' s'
8 h 14 min
